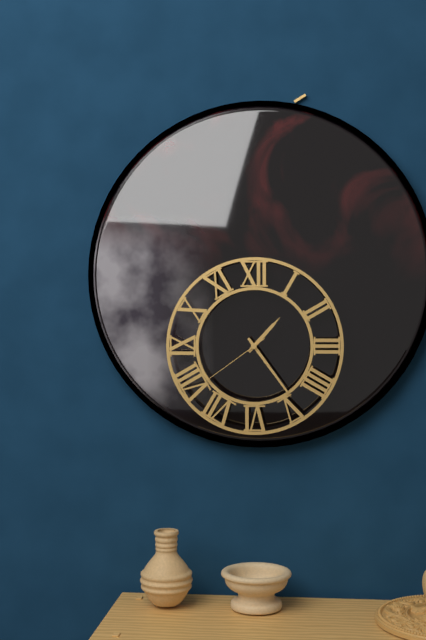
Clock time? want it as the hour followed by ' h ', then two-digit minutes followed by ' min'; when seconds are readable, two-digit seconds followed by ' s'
1 h 24 min 39 s
